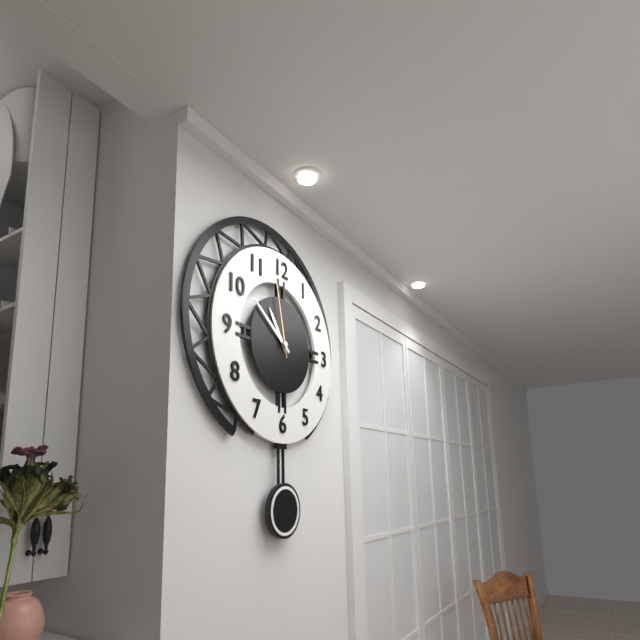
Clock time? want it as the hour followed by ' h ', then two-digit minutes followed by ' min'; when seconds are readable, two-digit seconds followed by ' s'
10 h 51 min 58 s
